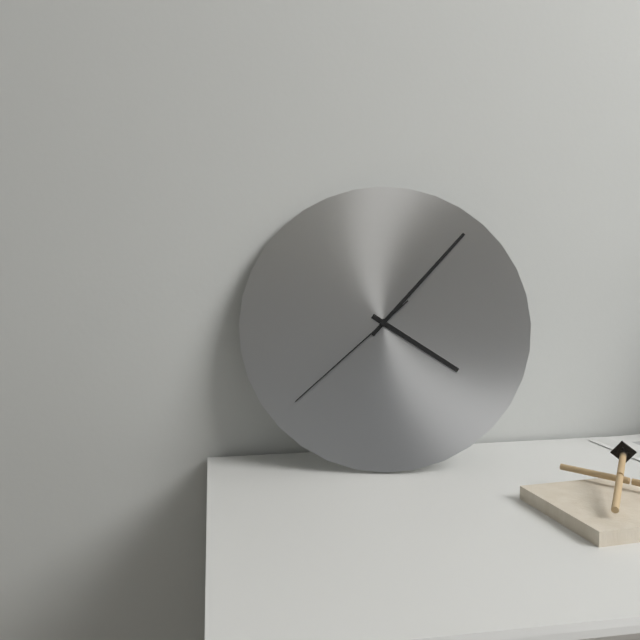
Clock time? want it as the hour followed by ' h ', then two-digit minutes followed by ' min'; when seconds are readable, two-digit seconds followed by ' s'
4 h 07 min 38 s
